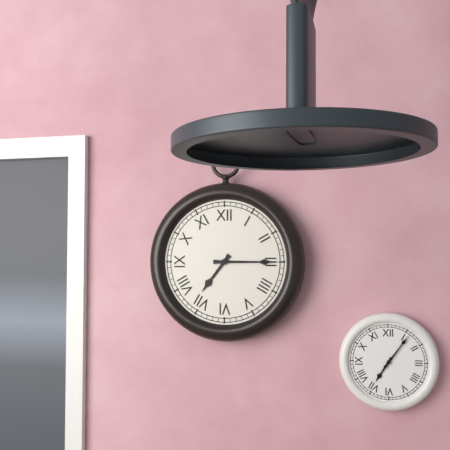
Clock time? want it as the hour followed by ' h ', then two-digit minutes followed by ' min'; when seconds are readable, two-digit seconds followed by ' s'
7 h 15 min
